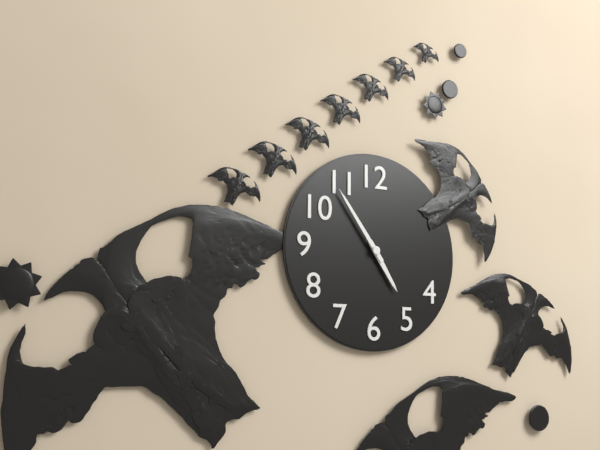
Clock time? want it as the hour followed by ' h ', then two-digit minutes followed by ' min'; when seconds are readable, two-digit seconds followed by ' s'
4 h 54 min
